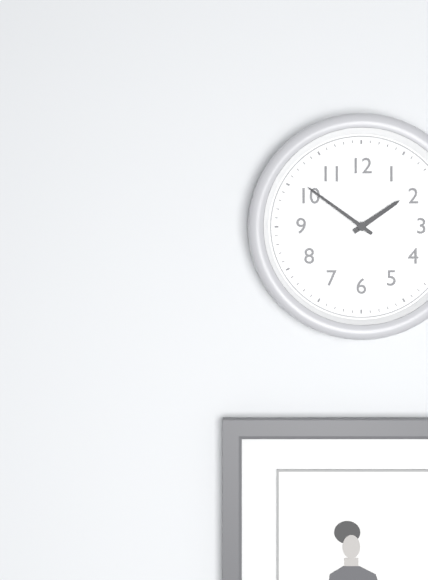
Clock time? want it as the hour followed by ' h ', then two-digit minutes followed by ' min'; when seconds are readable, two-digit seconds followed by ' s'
1 h 51 min
